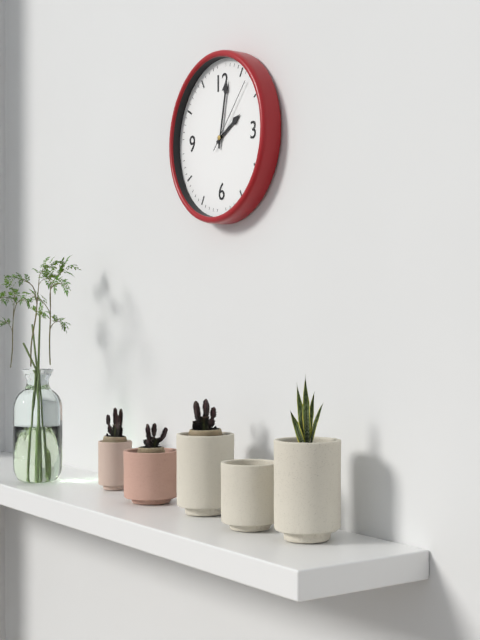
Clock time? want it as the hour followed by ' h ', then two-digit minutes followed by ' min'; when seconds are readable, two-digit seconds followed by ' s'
2 h 02 min 07 s
